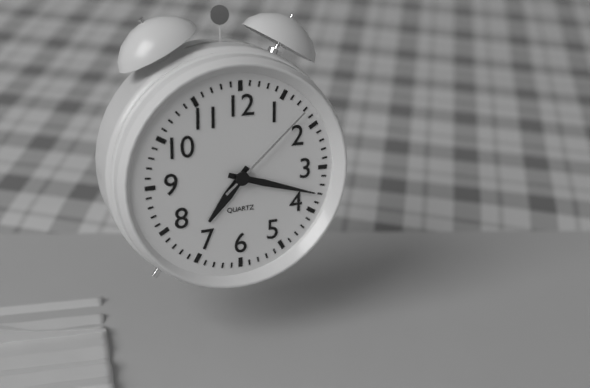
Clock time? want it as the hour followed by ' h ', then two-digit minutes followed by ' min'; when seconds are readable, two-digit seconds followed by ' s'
7 h 18 min 08 s
